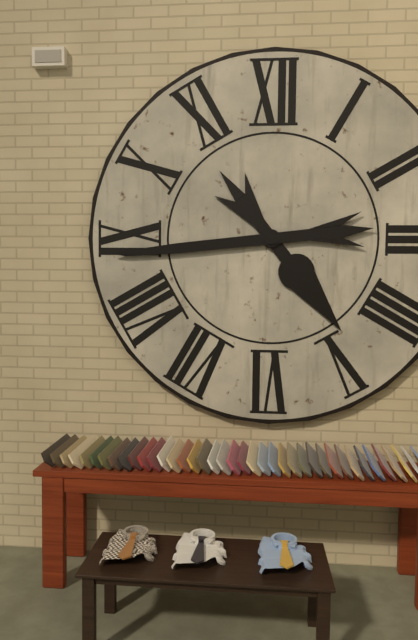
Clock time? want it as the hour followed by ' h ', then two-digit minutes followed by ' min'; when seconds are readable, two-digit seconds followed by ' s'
4 h 44 min
